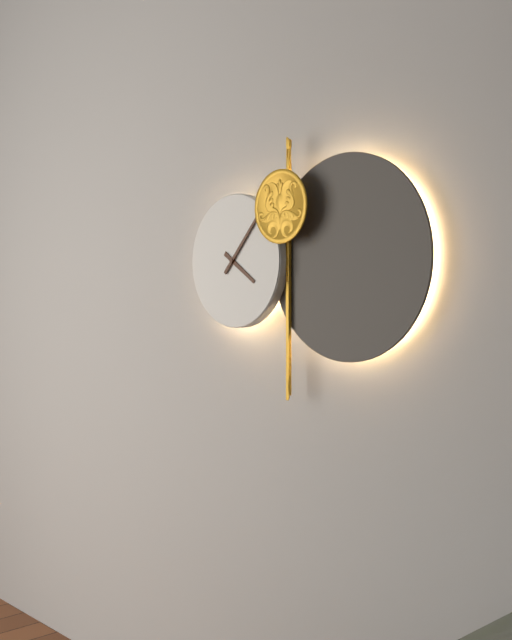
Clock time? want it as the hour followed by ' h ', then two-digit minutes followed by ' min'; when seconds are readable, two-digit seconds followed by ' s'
4 h 07 min
